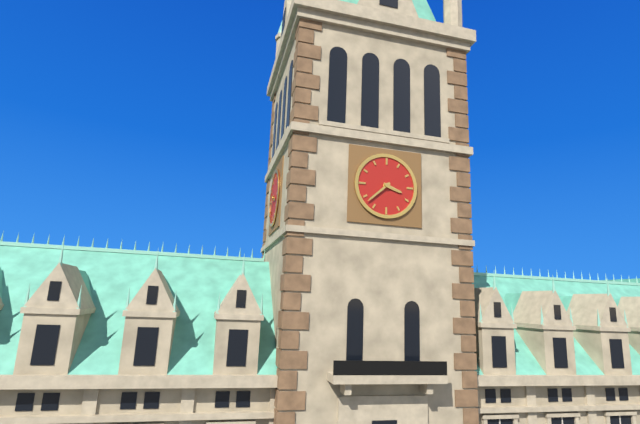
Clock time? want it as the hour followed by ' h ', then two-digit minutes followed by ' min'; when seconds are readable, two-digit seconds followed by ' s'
3 h 38 min
